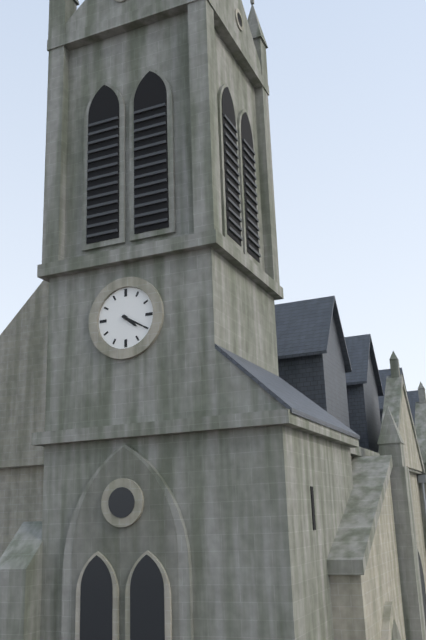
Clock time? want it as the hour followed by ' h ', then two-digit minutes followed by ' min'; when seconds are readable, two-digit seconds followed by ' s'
4 h 20 min
